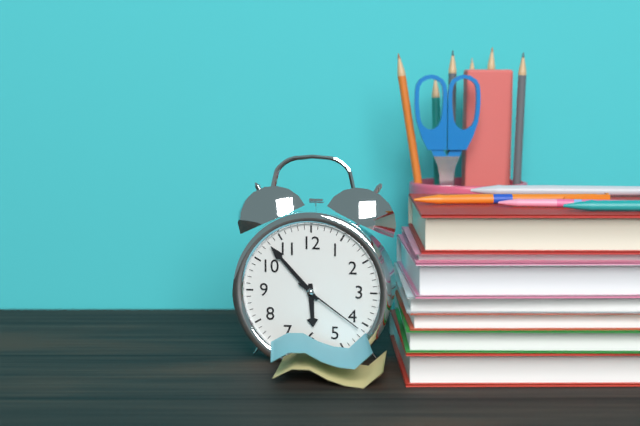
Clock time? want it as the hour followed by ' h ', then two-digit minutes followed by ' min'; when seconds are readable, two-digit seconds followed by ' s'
5 h 53 min 21 s
